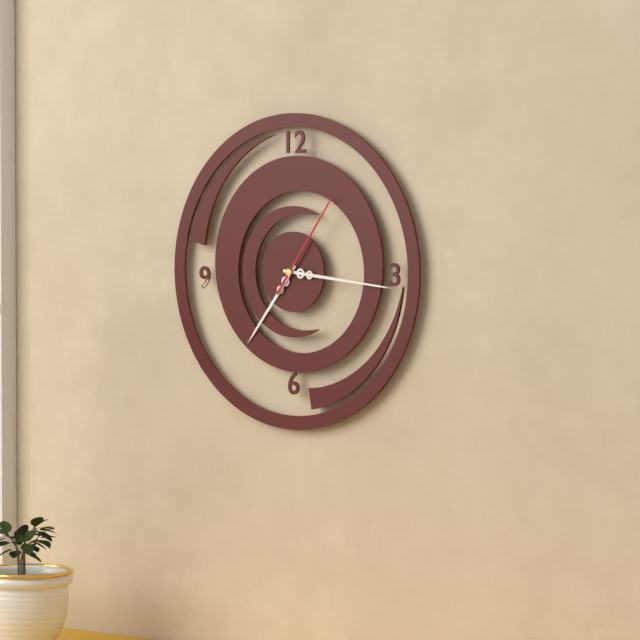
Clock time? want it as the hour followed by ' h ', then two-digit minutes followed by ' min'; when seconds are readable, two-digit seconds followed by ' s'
7 h 16 min 06 s
